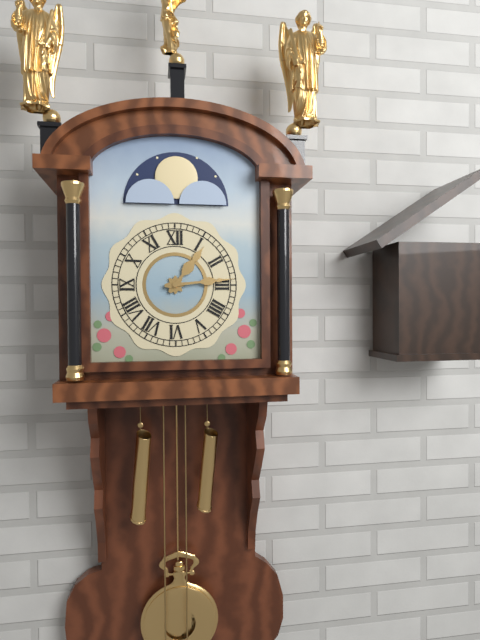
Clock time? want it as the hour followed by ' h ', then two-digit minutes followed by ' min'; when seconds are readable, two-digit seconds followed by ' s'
1 h 14 min
